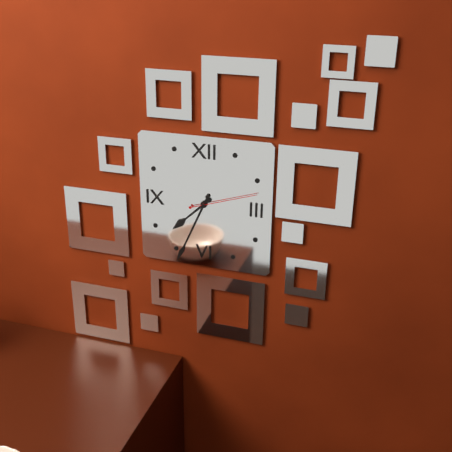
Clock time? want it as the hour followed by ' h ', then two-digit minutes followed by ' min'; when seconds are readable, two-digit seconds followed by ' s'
7 h 34 min 12 s
